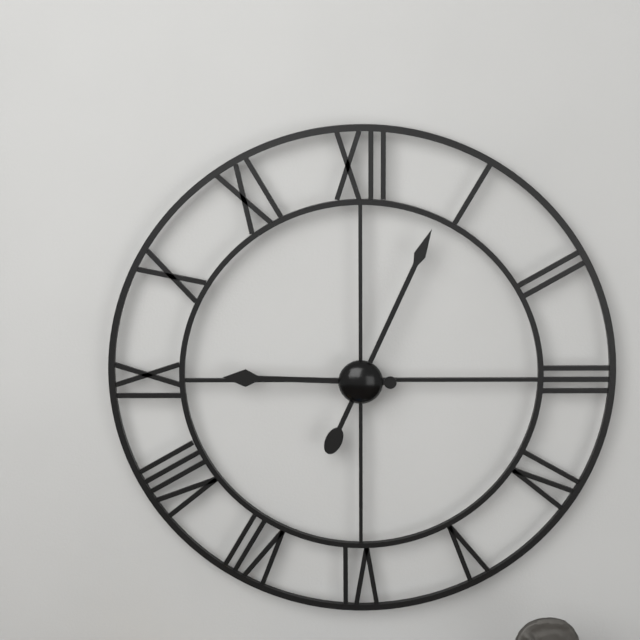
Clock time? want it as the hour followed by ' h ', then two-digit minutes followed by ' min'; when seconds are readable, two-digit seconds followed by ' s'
9 h 04 min
